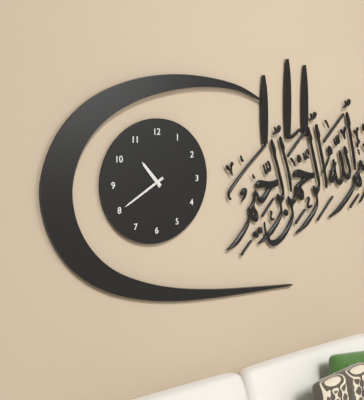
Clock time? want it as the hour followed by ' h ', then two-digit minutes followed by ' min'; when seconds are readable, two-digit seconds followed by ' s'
10 h 40 min
